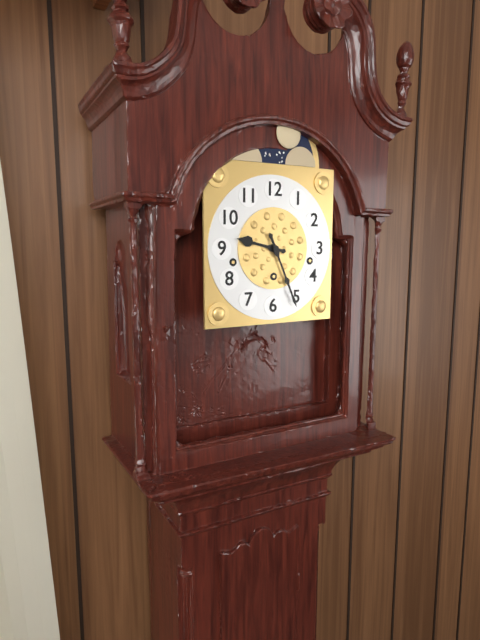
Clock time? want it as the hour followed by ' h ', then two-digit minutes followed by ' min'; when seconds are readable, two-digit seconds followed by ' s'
9 h 26 min
